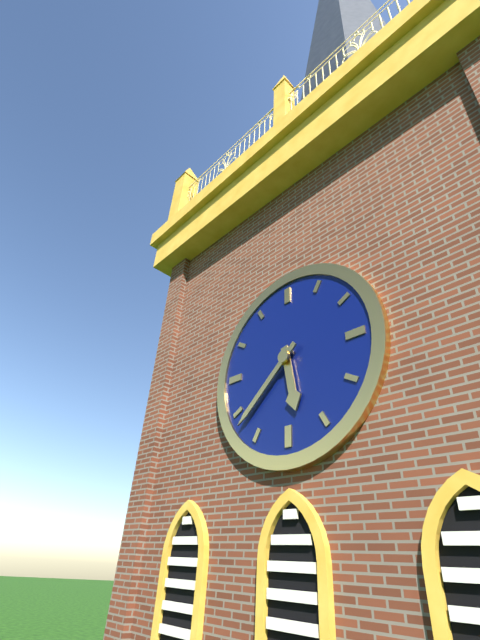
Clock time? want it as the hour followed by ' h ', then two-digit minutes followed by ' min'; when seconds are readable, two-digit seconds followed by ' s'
5 h 38 min
